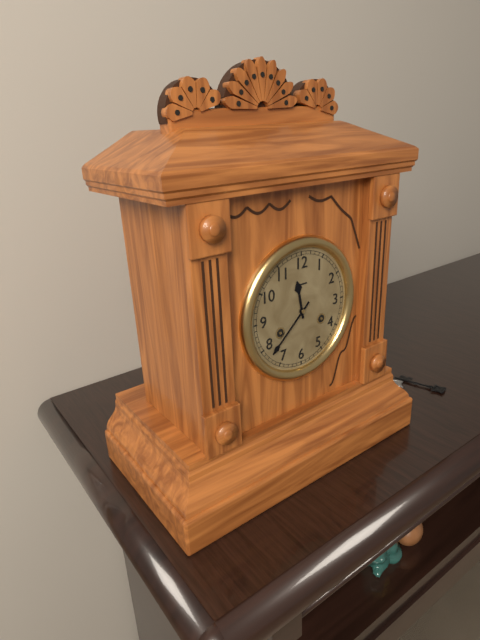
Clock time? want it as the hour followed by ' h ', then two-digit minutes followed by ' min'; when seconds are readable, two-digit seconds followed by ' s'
11 h 38 min
